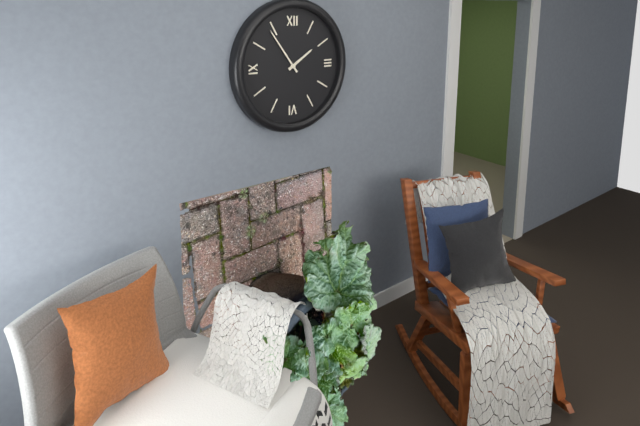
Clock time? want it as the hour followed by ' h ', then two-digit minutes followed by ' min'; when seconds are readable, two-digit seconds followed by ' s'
1 h 54 min
